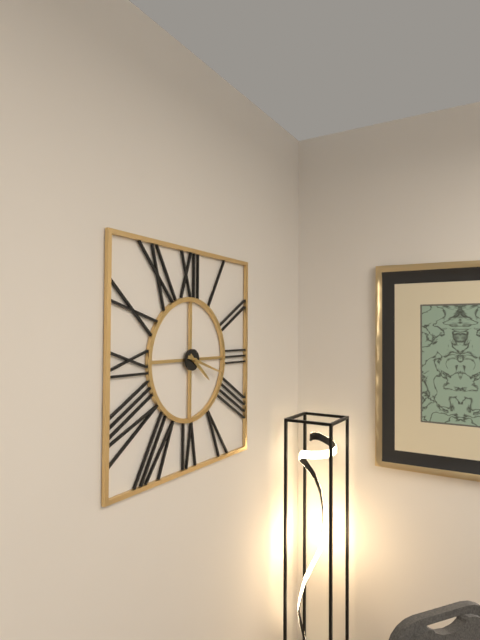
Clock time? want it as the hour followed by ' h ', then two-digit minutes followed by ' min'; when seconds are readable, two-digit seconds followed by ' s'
4 h 18 min
